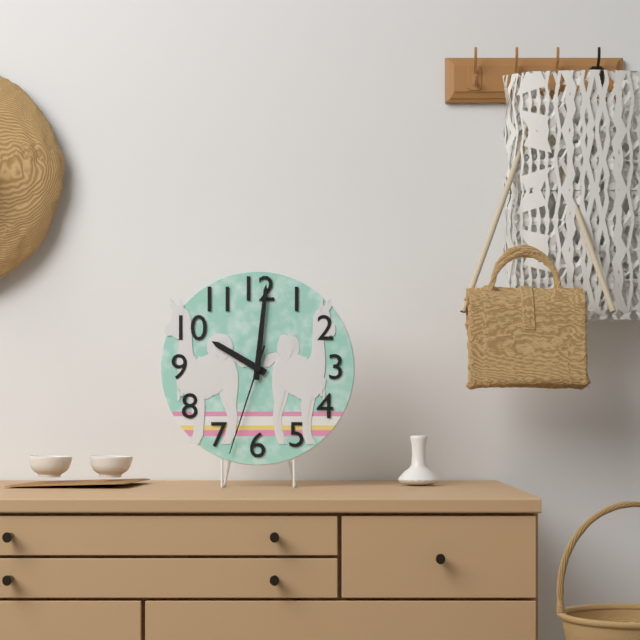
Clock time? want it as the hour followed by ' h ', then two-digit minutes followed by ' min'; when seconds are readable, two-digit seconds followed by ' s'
10 h 01 min 33 s
